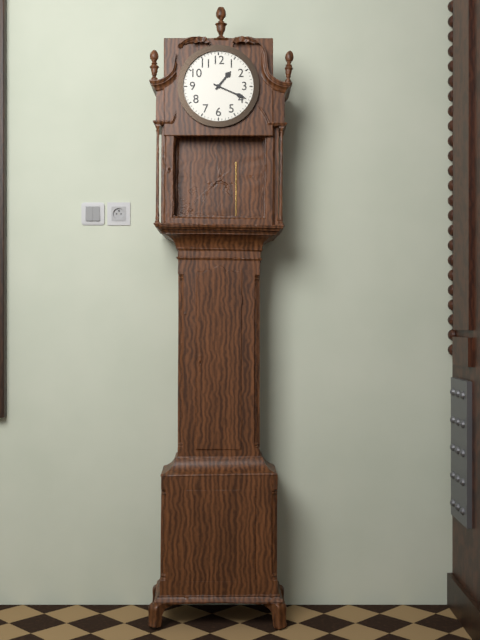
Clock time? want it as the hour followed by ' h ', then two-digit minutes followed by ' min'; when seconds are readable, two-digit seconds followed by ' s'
1 h 19 min
